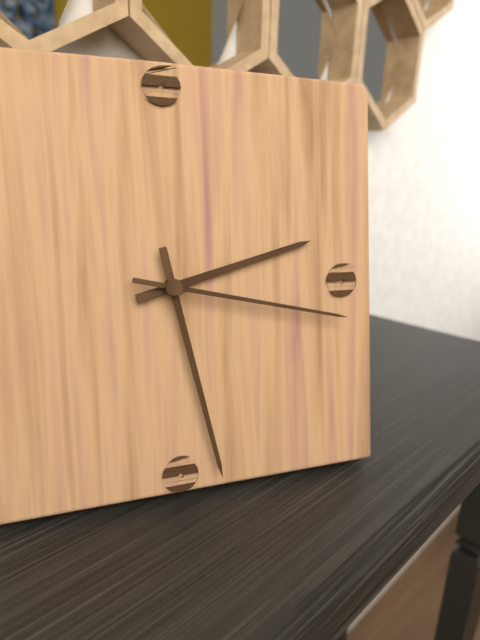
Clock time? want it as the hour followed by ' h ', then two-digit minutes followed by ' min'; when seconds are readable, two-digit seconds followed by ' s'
2 h 28 min 17 s
